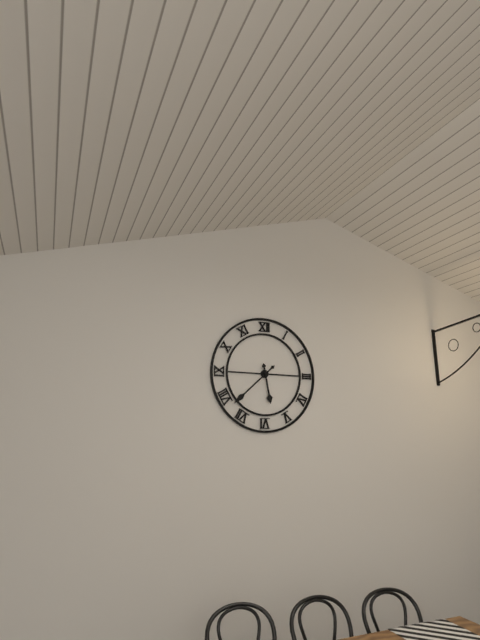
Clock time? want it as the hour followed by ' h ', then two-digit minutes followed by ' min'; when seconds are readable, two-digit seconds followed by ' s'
5 h 38 min
